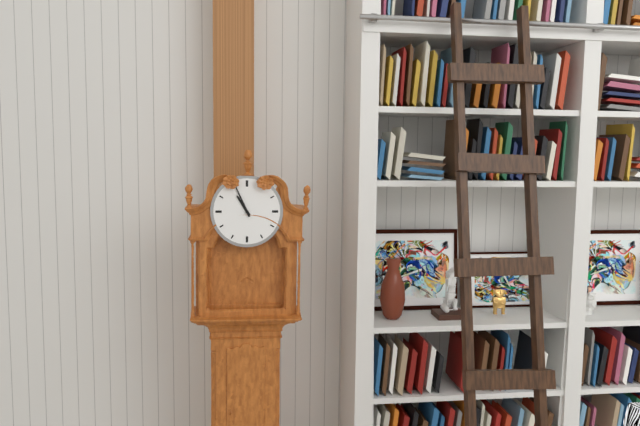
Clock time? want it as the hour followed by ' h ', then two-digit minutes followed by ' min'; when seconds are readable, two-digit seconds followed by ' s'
10 h 56 min
